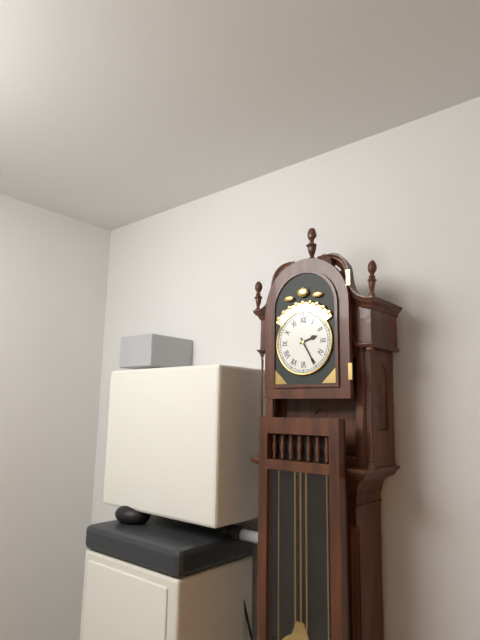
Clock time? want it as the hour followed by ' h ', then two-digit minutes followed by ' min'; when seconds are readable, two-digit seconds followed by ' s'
2 h 25 min
